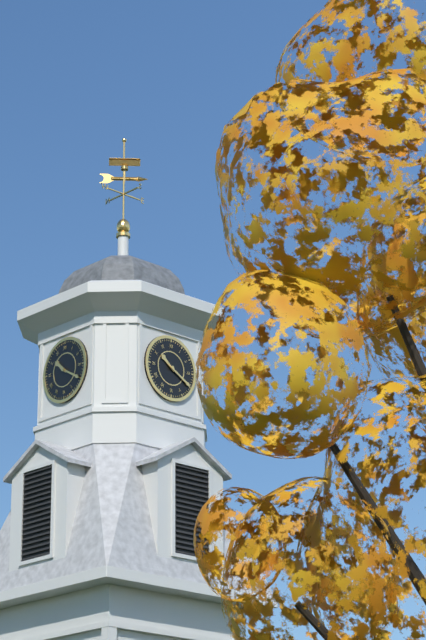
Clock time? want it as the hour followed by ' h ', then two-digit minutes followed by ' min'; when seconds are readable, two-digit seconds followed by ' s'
10 h 20 min
